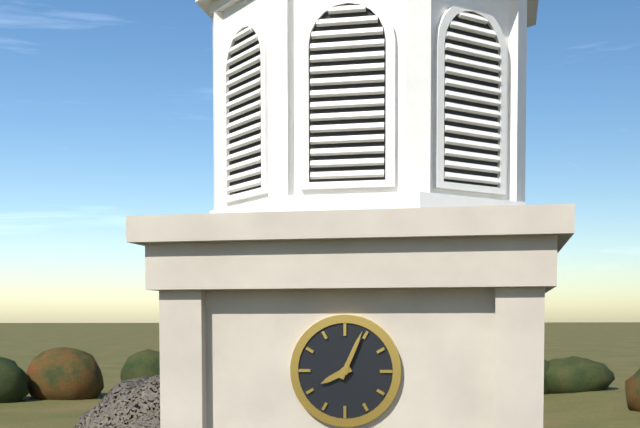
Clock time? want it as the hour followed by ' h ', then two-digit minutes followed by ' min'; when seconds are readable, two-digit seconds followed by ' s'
8 h 04 min
